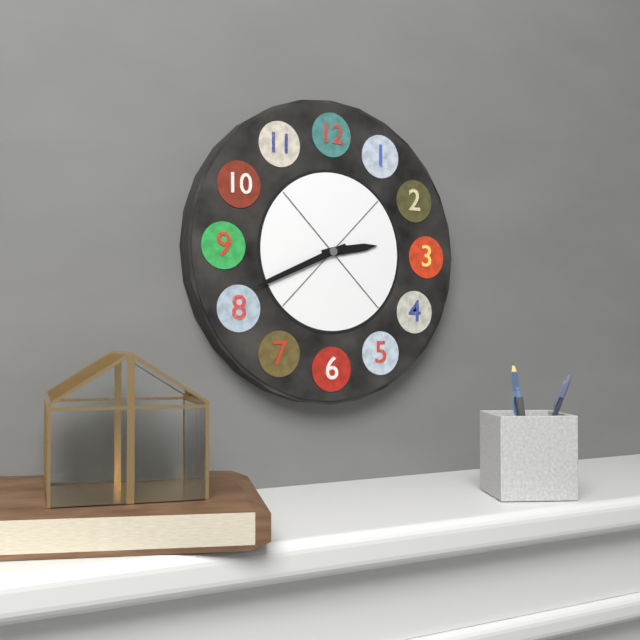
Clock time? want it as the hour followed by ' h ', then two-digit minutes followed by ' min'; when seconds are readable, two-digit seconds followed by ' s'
2 h 41 min
